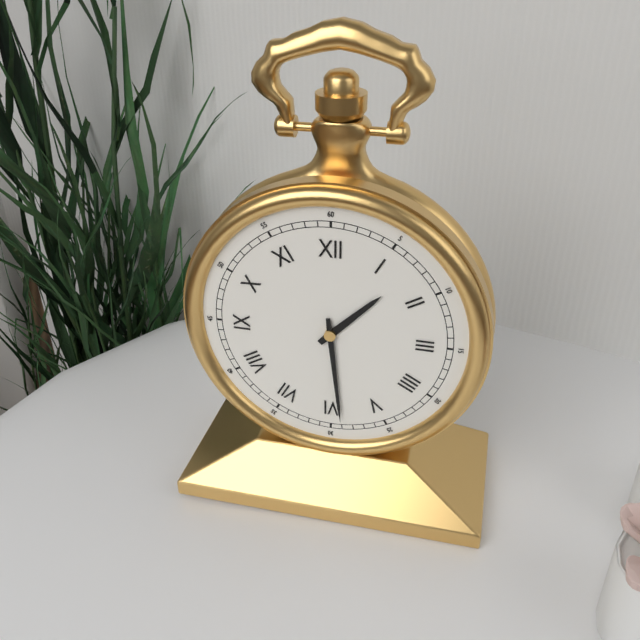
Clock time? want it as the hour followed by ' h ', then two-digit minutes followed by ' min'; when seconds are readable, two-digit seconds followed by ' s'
1 h 29 min
